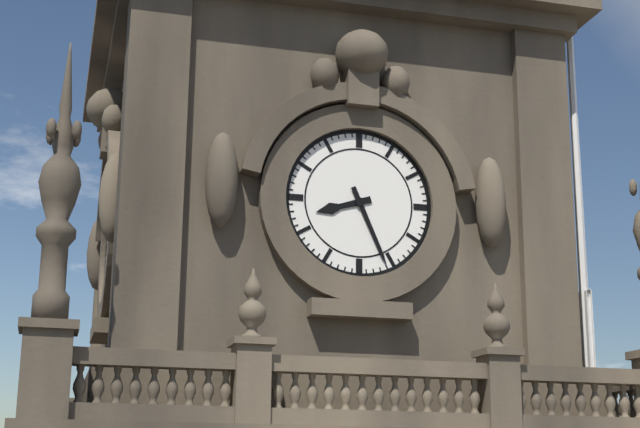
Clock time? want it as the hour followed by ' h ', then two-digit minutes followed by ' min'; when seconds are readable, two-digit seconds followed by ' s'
8 h 26 min
